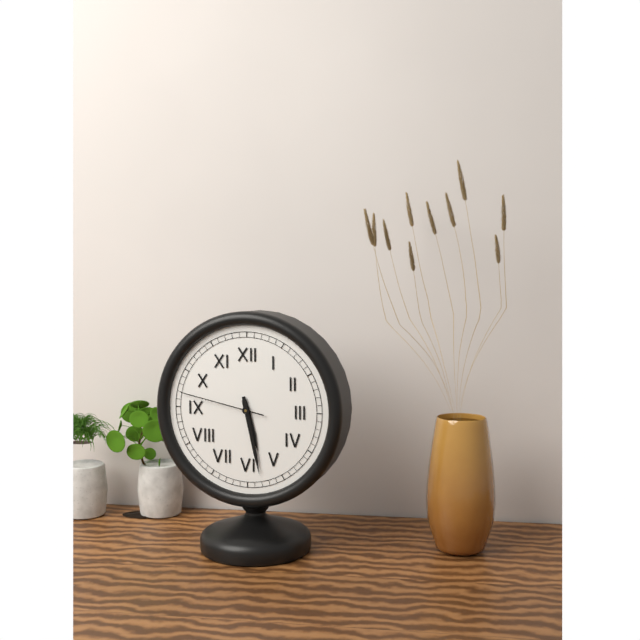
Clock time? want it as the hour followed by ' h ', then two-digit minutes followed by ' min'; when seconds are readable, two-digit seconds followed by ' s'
5 h 28 min 47 s
